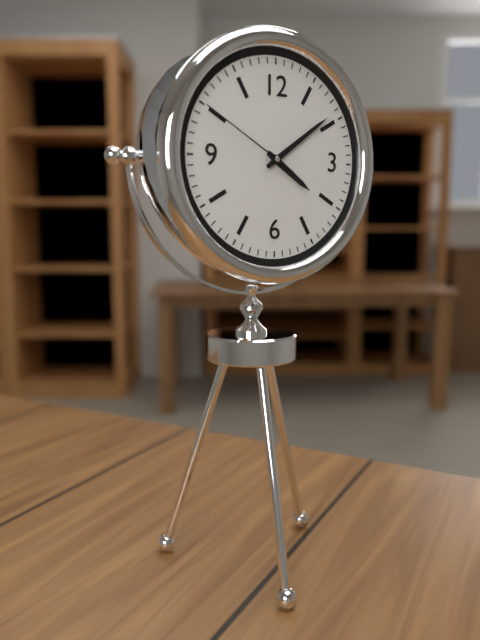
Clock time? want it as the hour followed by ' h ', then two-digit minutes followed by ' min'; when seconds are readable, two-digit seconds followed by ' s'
4 h 09 min 50 s
